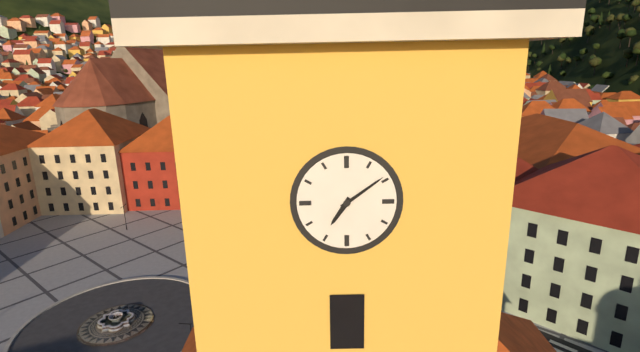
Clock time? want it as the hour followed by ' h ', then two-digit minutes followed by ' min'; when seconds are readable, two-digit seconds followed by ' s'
7 h 09 min
